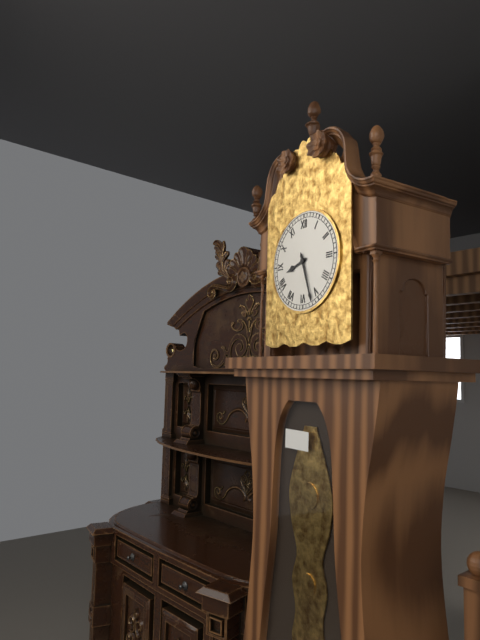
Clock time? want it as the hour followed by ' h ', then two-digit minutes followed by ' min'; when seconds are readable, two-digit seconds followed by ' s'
8 h 27 min
